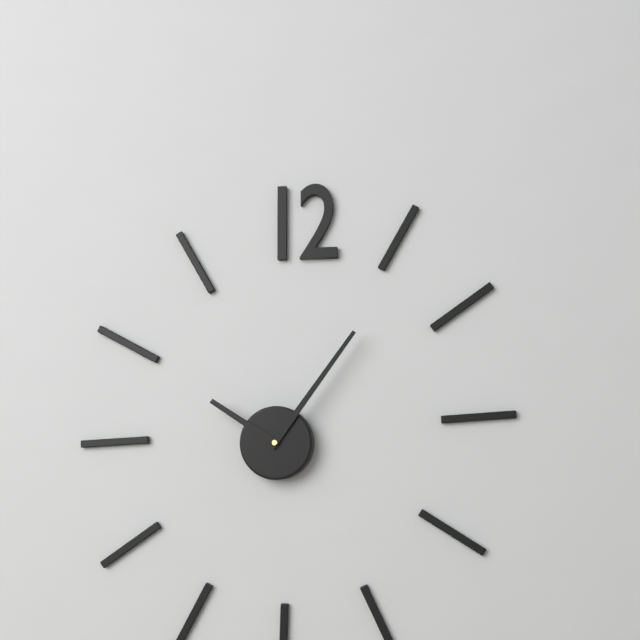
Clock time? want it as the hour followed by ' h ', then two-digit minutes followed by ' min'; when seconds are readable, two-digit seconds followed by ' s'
10 h 06 min
